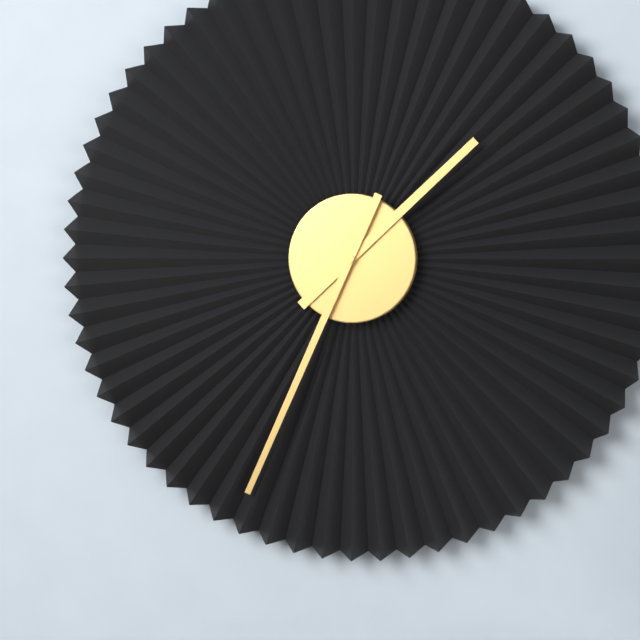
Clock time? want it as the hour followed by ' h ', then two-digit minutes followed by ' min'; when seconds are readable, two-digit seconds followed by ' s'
1 h 34 min
